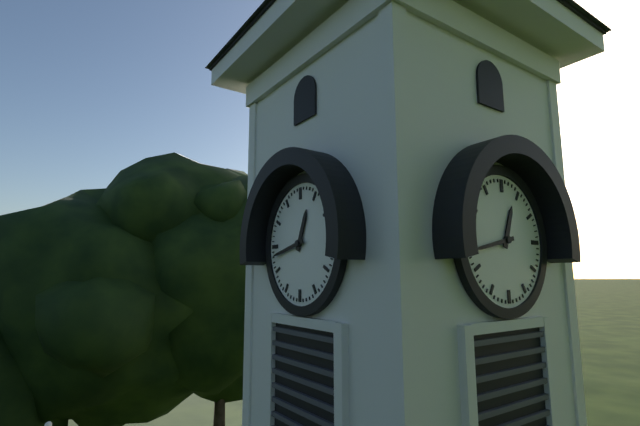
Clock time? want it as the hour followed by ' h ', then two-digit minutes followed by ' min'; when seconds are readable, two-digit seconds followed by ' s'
12 h 43 min
